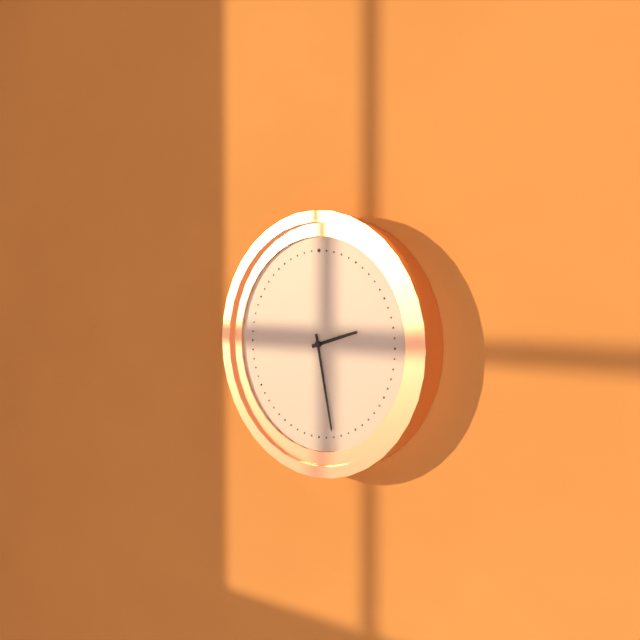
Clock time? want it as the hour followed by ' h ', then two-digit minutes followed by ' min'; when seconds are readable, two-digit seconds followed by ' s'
2 h 28 min
